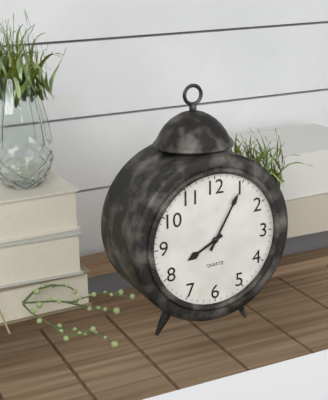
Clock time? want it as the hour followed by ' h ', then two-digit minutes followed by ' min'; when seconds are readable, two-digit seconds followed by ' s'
8 h 05 min
